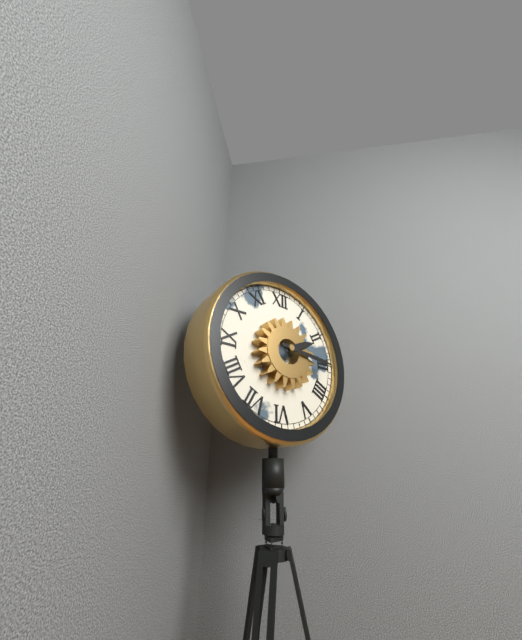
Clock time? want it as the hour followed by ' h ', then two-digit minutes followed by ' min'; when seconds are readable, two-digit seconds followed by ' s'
2 h 16 min
